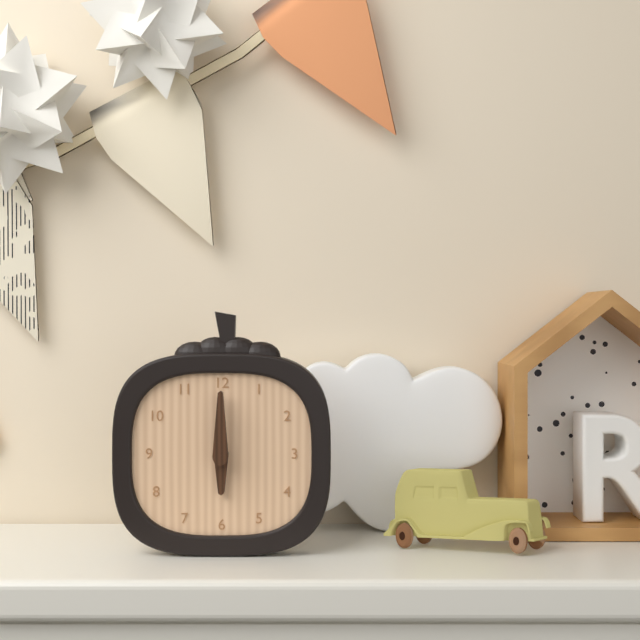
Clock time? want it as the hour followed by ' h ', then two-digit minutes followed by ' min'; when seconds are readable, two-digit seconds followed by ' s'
6 h 00 min
